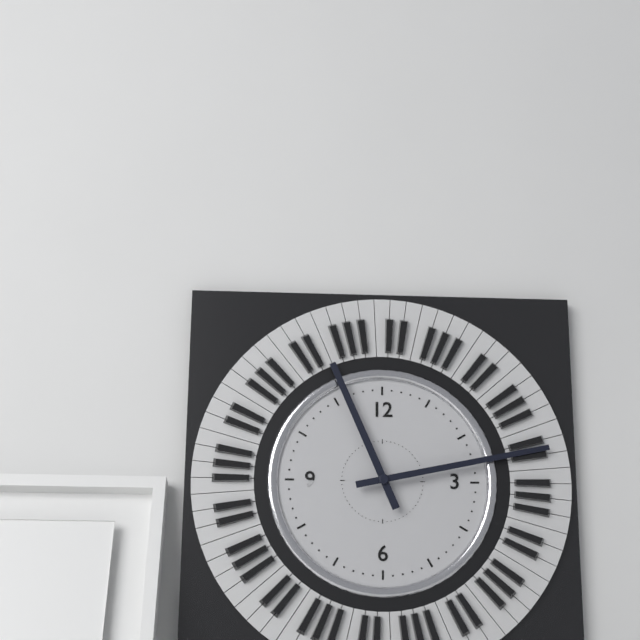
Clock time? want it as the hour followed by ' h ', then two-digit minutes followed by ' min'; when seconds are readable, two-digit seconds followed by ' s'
11 h 13 min
